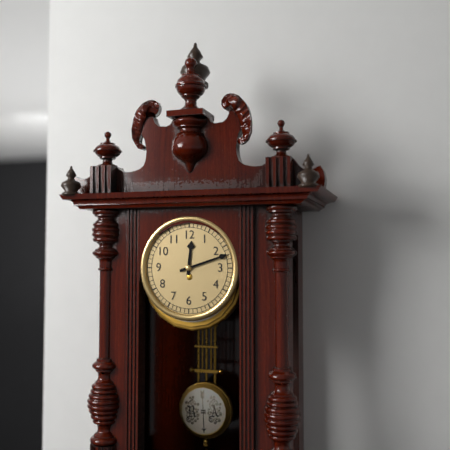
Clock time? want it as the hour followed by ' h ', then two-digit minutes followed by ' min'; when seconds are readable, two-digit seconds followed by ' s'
12 h 12 min
